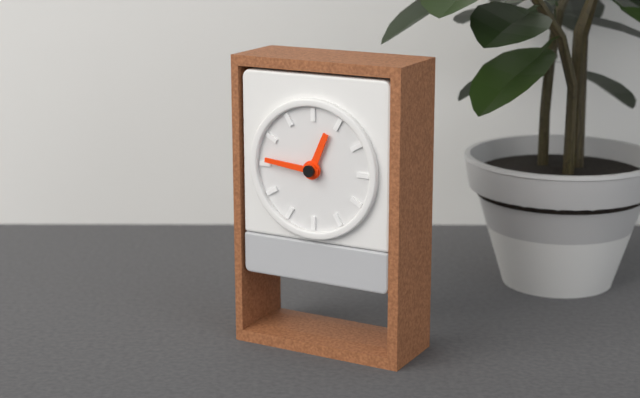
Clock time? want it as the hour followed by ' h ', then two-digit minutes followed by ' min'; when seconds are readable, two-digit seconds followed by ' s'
12 h 46 min
